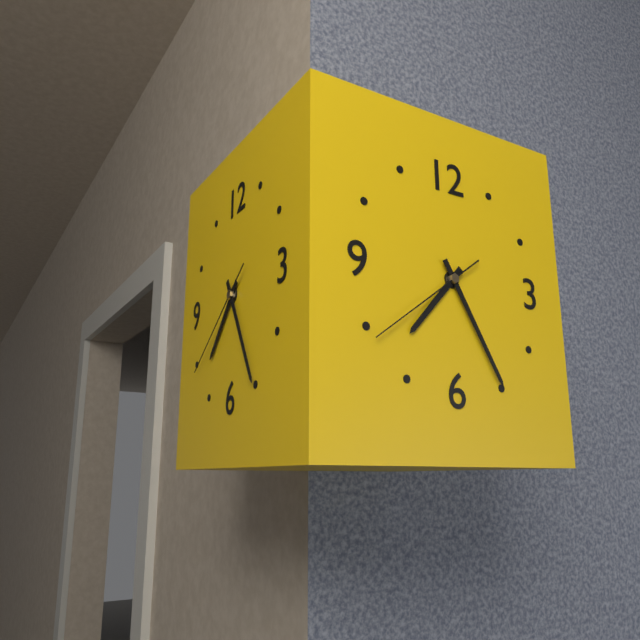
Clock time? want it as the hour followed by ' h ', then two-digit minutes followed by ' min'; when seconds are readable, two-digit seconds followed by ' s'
7 h 25 min 39 s
